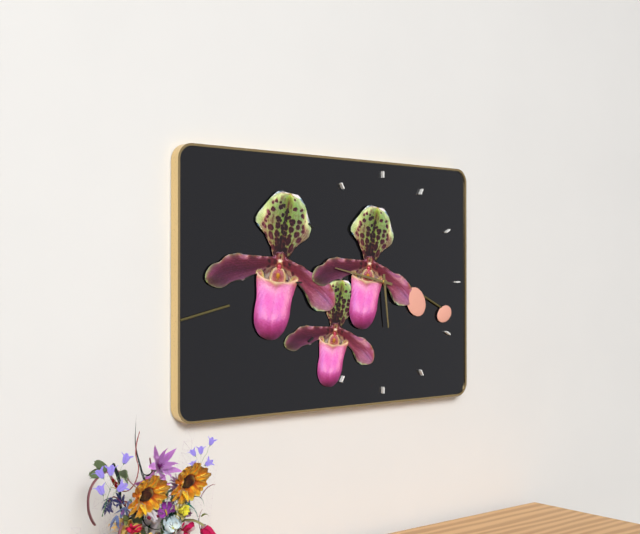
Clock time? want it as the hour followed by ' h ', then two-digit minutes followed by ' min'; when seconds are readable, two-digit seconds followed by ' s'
5 h 47 min
